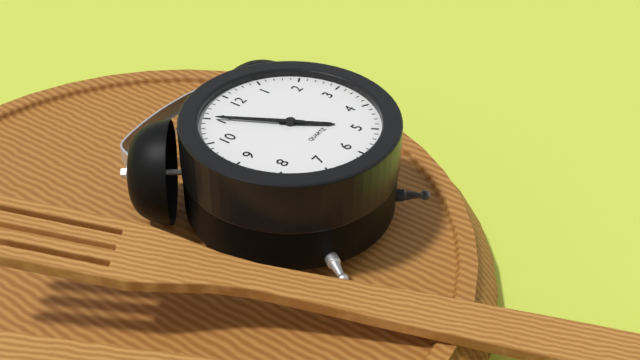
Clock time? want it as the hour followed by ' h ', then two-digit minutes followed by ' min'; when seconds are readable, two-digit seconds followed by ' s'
4 h 55 min
